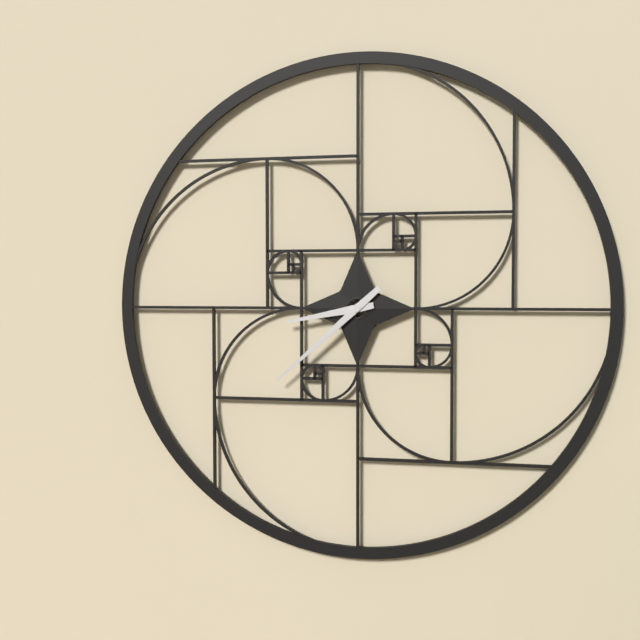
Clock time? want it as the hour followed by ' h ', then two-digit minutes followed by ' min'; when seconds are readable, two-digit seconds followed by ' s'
8 h 38 min
